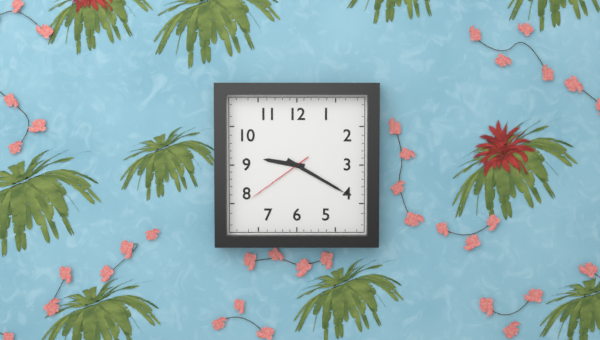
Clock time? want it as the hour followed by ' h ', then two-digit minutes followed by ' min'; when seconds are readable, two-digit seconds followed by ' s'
9 h 20 min 39 s
